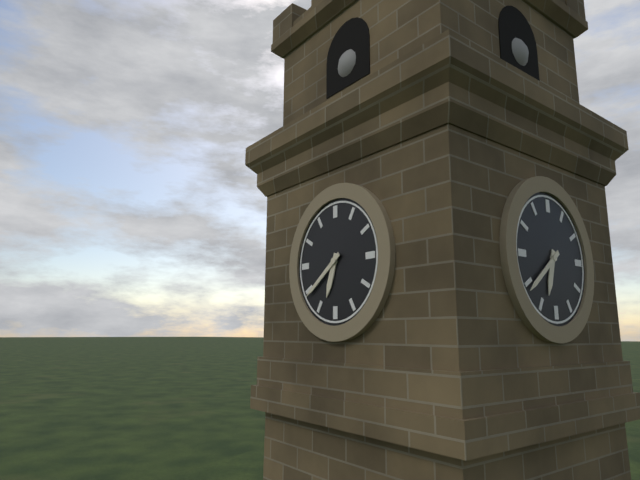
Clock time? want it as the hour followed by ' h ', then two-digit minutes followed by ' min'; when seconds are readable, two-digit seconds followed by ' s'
6 h 39 min
